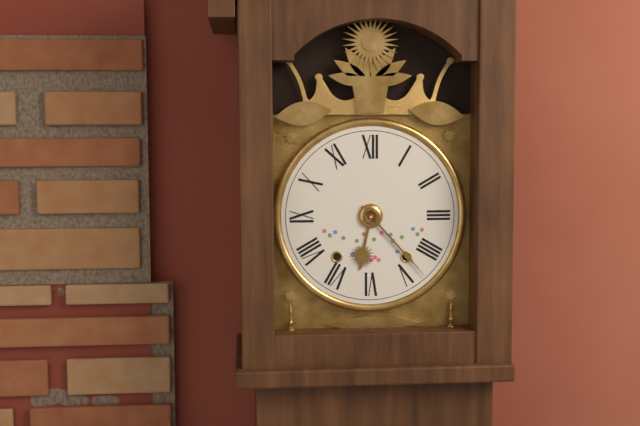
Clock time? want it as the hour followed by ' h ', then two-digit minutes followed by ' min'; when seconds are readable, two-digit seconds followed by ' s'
6 h 23 min
